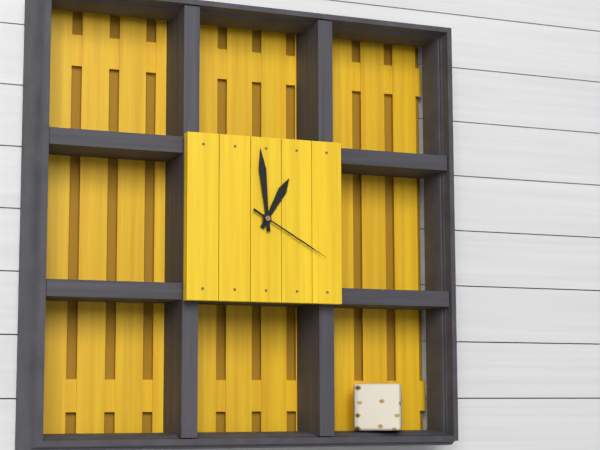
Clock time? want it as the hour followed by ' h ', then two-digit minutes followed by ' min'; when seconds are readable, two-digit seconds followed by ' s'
12 h 59 min 20 s
